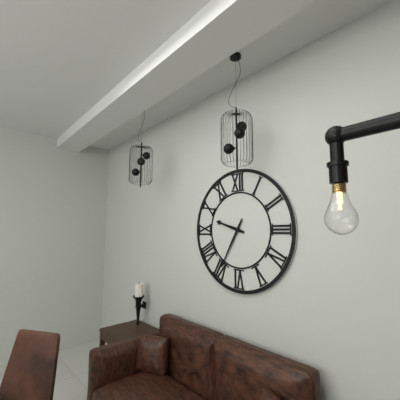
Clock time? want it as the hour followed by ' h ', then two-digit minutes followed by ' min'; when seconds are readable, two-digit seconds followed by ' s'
9 h 35 min
